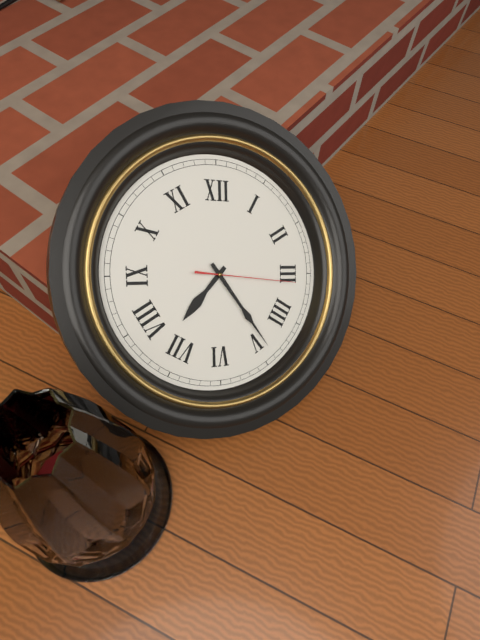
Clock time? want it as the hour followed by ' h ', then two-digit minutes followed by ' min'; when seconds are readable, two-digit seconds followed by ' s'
7 h 24 min 16 s
